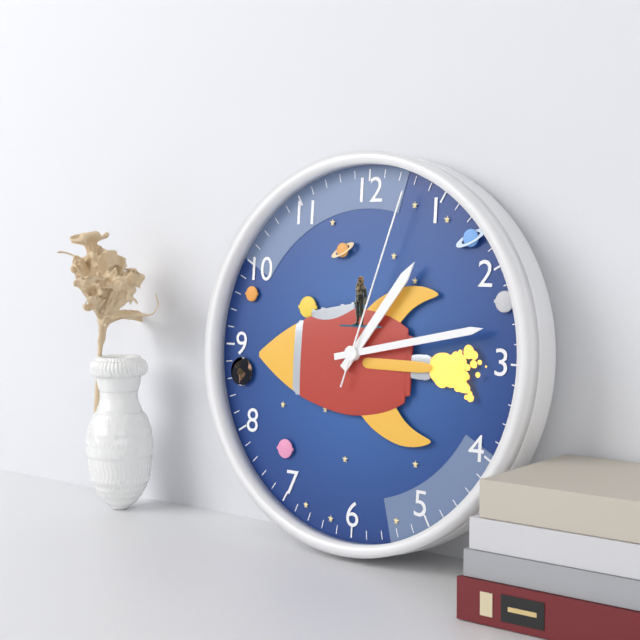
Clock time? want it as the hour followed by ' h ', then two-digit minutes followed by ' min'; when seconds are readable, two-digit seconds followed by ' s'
1 h 13 min 03 s
